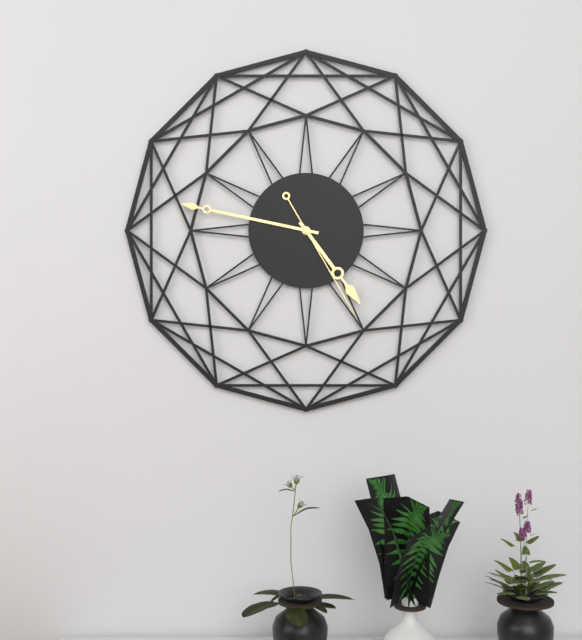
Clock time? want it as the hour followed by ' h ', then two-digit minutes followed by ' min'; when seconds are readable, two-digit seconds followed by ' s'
4 h 47 min 25 s
